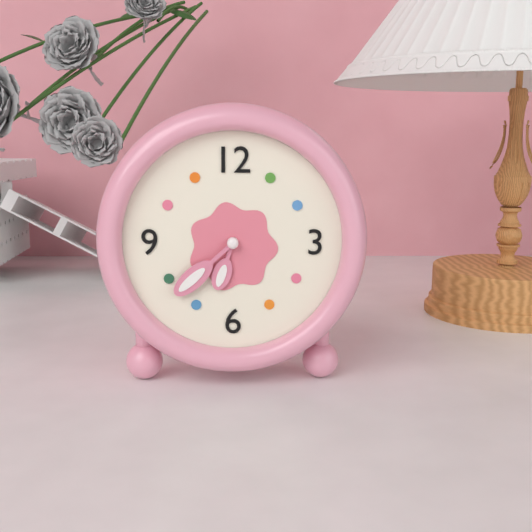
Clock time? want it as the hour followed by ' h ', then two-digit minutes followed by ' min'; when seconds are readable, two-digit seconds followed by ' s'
6 h 38 min
